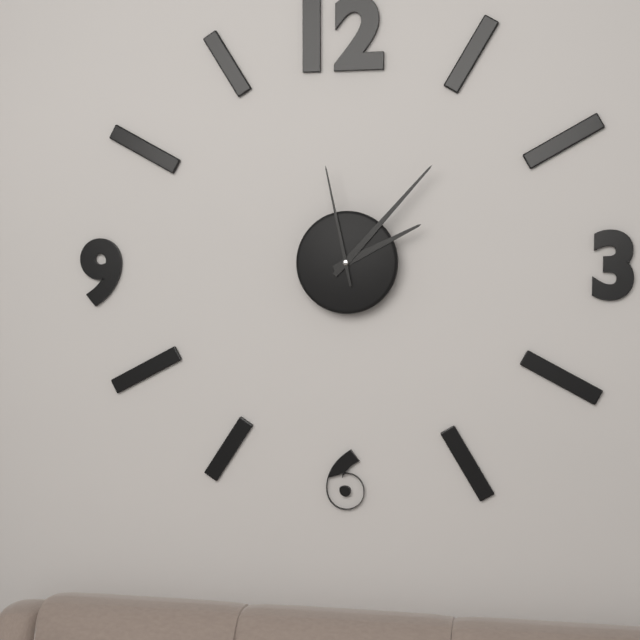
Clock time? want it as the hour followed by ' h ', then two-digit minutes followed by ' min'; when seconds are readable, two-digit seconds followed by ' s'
2 h 07 min 58 s
